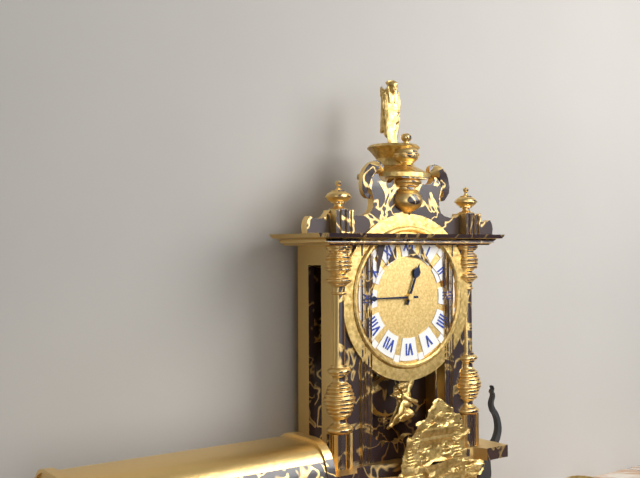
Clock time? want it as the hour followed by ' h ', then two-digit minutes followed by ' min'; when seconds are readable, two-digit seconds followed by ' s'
12 h 45 min
